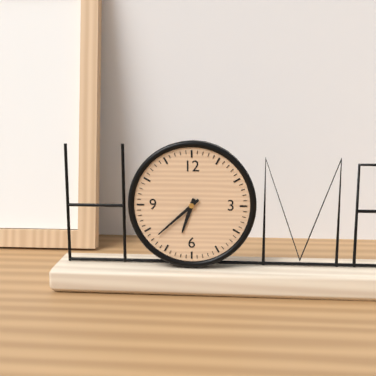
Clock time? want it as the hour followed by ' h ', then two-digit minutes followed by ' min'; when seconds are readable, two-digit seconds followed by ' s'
6 h 38 min
